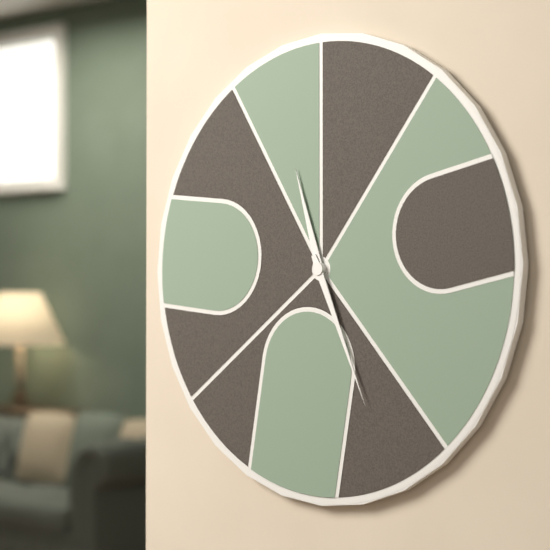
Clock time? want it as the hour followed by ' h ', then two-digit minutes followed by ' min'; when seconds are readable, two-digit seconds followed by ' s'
11 h 26 min
